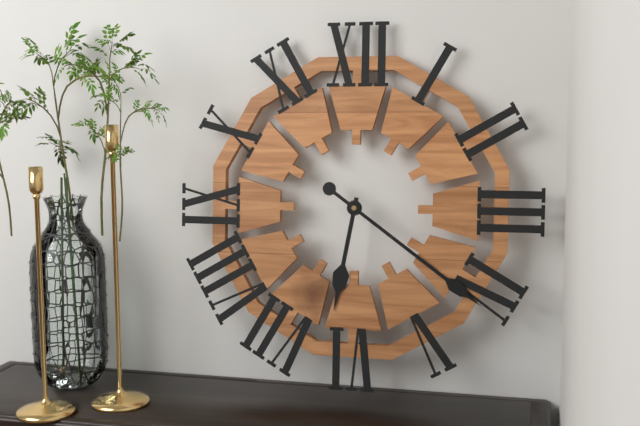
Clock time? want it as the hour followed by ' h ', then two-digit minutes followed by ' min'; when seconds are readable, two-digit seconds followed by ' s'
6 h 21 min
